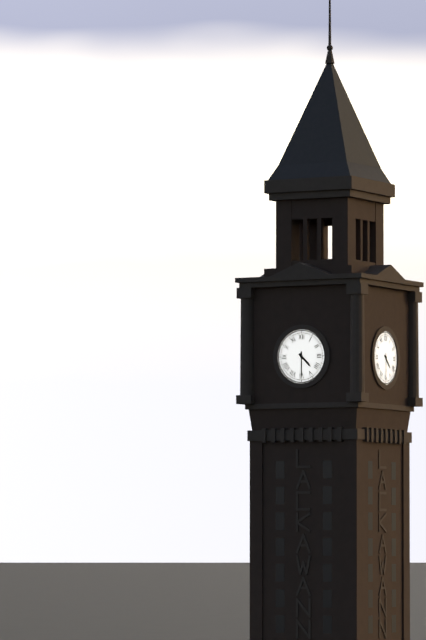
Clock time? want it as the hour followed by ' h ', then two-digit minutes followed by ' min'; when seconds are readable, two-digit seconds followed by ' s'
4 h 30 min
